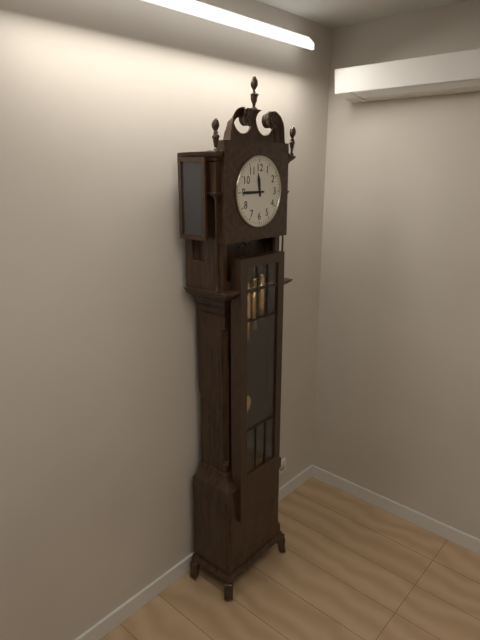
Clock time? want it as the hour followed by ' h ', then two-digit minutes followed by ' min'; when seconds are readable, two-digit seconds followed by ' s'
11 h 45 min
